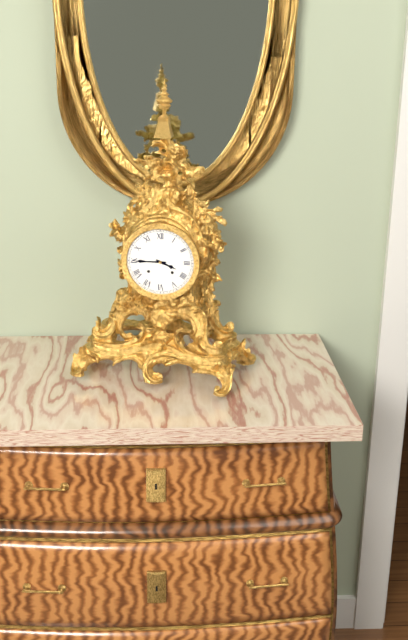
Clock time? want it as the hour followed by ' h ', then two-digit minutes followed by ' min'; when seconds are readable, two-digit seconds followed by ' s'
3 h 45 min
